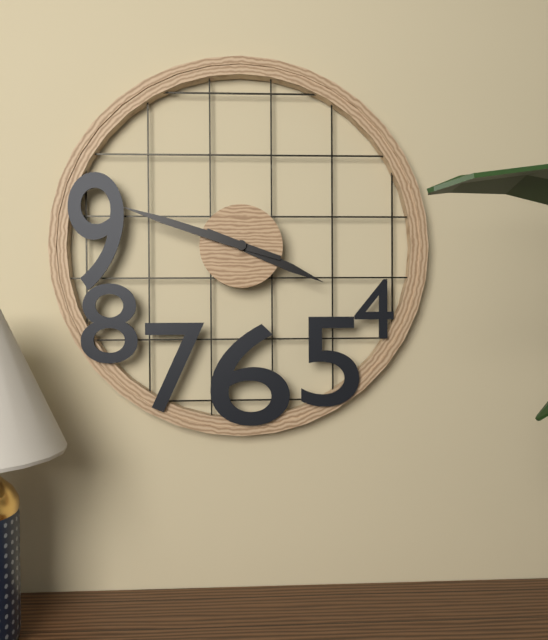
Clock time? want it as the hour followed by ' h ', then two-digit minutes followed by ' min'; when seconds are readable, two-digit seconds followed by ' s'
3 h 48 min
